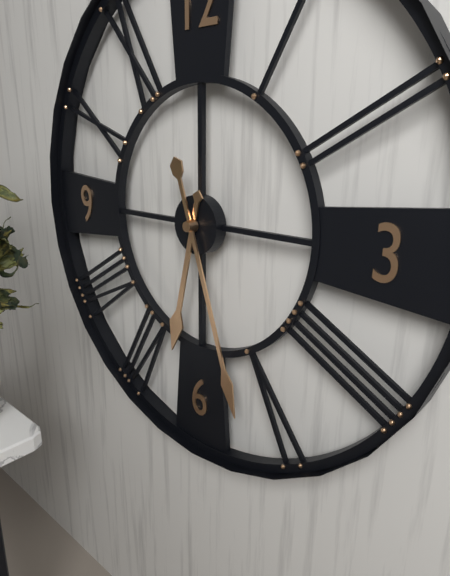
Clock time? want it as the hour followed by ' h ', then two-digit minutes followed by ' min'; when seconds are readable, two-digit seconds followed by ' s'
6 h 27 min
